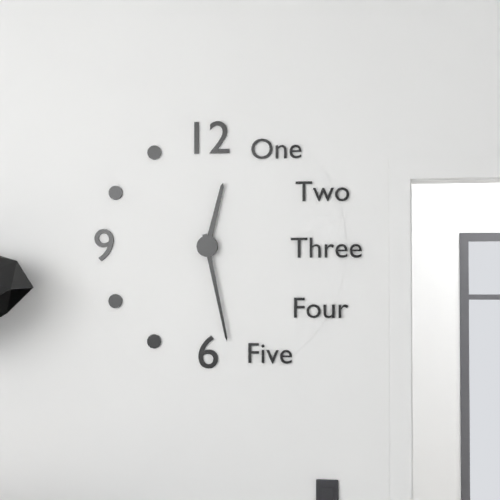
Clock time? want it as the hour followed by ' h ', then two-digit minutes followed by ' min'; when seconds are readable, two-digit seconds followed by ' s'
12 h 28 min
